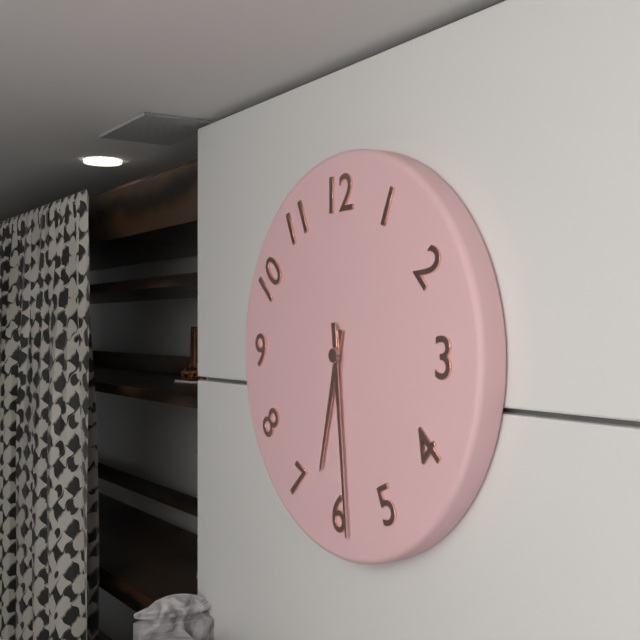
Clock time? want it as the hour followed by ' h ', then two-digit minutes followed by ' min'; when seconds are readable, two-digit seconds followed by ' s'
6 h 29 min
